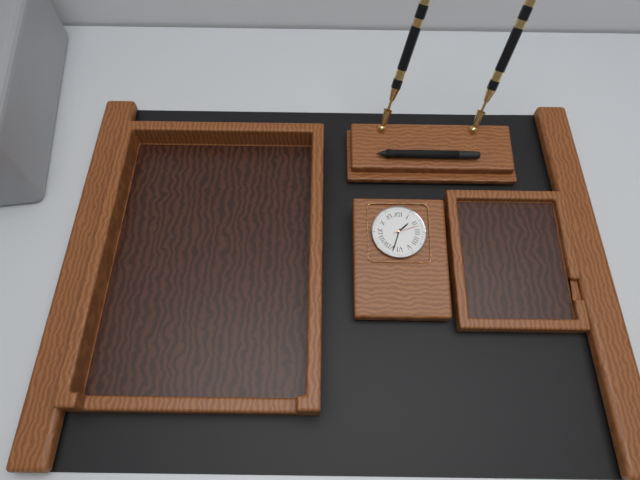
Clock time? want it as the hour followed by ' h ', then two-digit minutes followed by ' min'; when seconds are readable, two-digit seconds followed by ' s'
1 h 33 min
